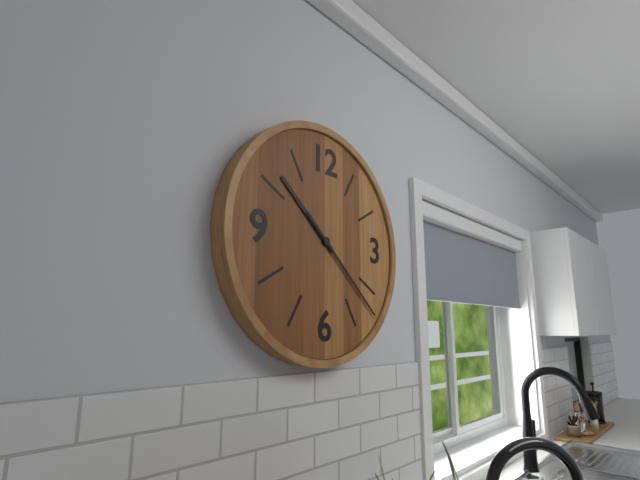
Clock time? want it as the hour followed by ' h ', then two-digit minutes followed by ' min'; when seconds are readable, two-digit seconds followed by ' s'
10 h 22 min
